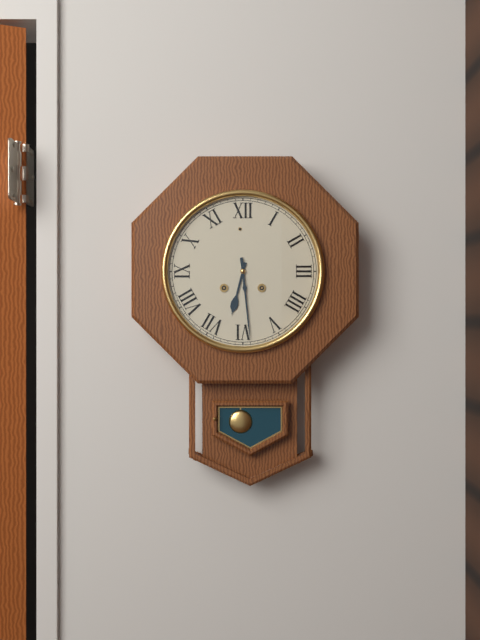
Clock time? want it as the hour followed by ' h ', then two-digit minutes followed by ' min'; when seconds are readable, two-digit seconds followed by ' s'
6 h 29 min
